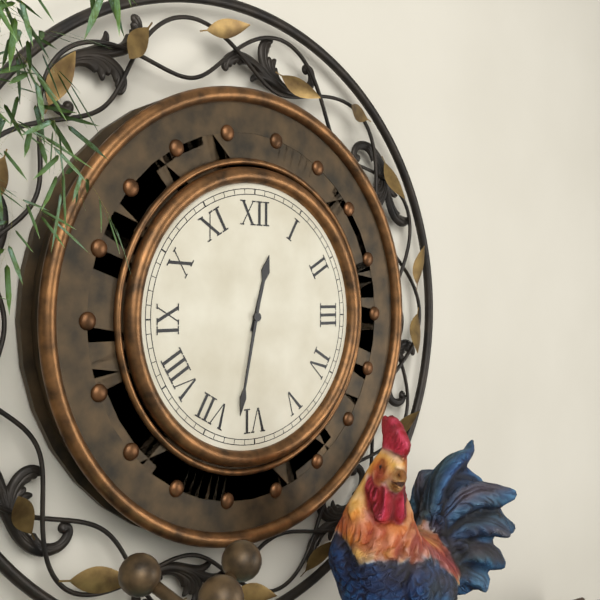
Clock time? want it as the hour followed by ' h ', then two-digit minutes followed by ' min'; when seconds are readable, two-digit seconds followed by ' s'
12 h 32 min
